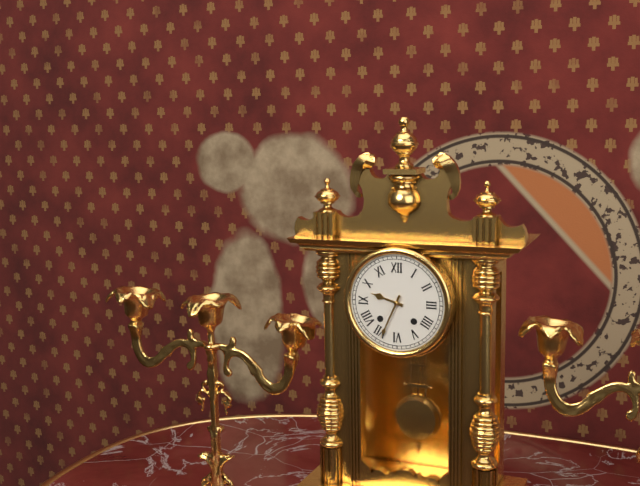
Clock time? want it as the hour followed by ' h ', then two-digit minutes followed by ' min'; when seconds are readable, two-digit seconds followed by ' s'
9 h 34 min
